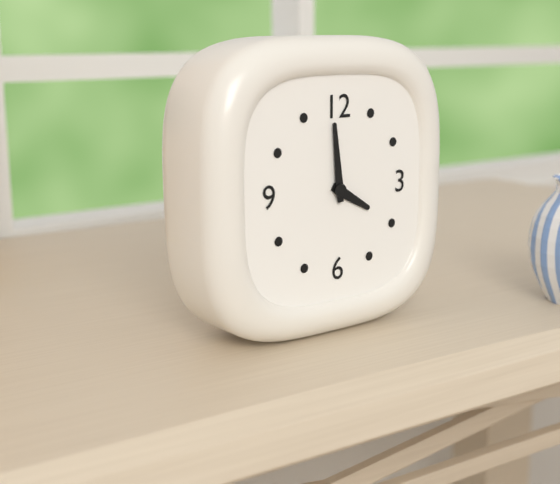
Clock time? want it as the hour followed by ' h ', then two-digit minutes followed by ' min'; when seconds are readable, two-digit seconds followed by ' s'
3 h 59 min
